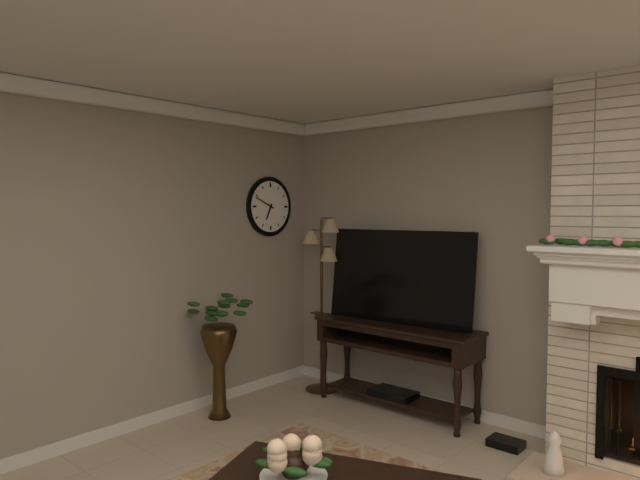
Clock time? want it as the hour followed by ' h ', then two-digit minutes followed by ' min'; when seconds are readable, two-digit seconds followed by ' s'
6 h 49 min
